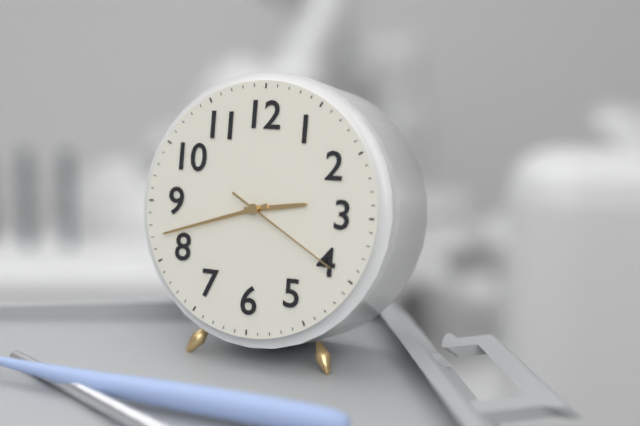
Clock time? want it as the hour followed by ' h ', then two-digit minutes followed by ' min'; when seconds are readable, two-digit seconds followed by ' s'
2 h 42 min 20 s
